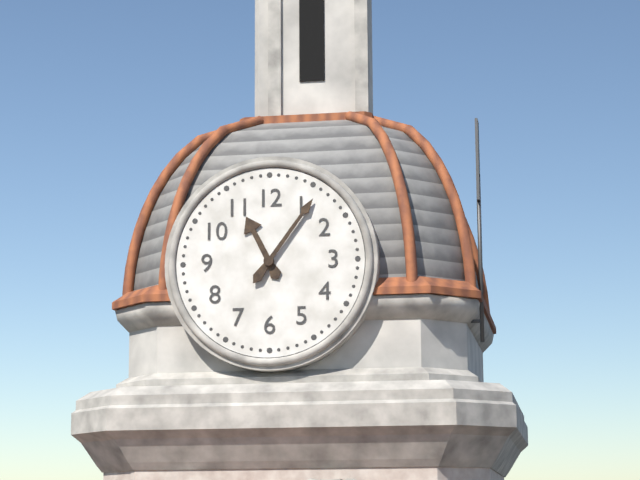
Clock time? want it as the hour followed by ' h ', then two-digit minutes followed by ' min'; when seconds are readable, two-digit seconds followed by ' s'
11 h 06 min
